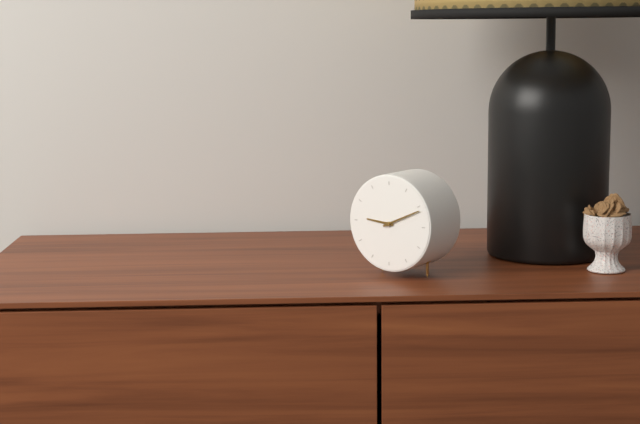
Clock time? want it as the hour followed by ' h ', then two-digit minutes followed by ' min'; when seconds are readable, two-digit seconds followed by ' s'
9 h 11 min
